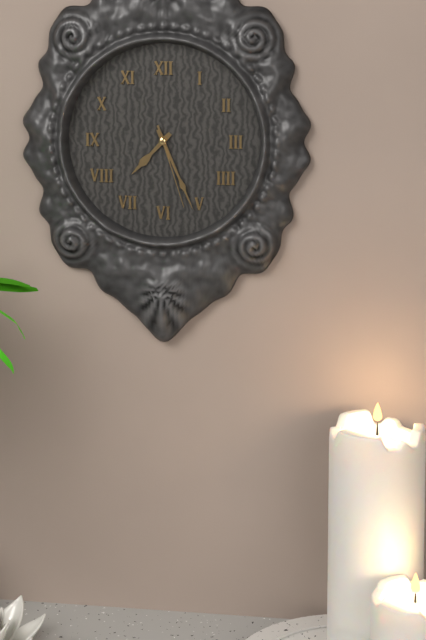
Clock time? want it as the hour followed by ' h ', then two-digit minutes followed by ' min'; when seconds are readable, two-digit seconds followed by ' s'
7 h 26 min 27 s
